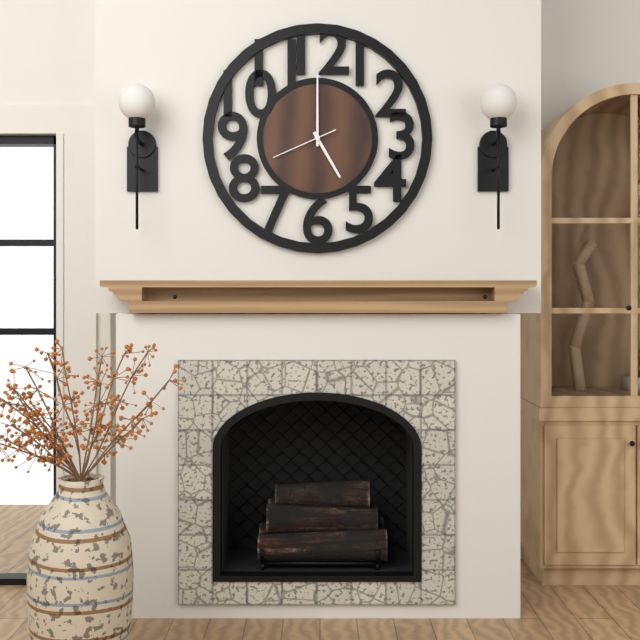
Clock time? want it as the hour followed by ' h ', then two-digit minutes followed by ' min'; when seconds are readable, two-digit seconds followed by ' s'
5 h 00 min 41 s
